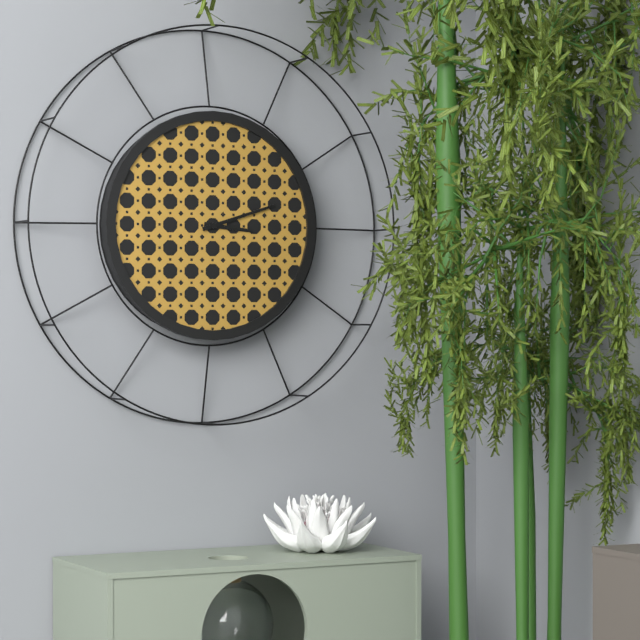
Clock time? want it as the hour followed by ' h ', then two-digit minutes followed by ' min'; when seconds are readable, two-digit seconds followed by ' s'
3 h 12 min
